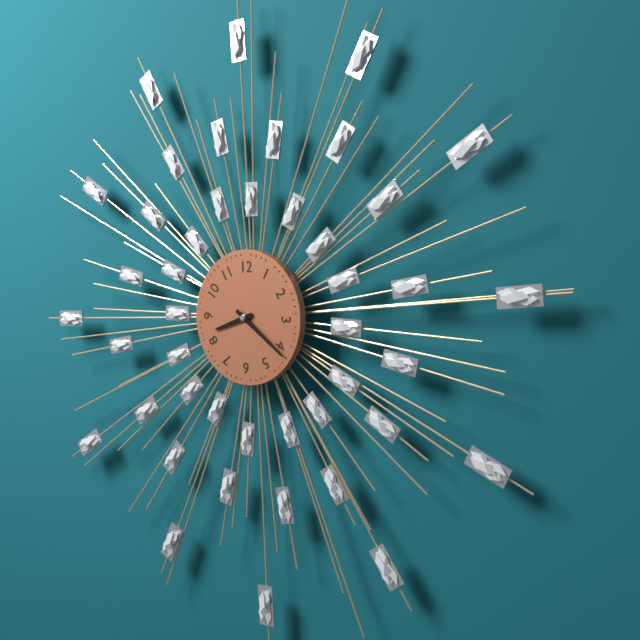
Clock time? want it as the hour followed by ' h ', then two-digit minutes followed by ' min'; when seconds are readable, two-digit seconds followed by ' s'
8 h 21 min
